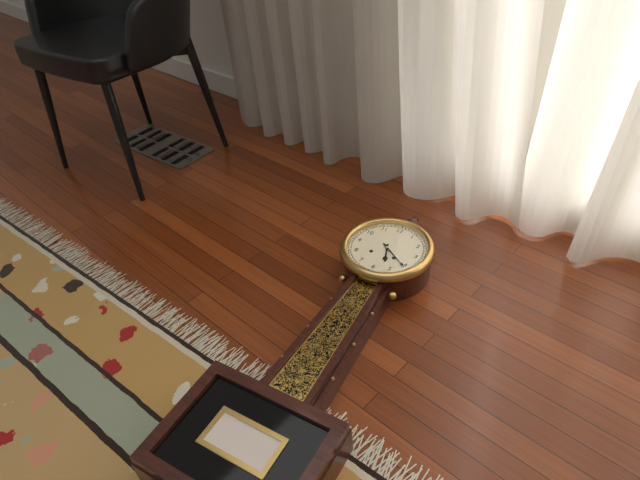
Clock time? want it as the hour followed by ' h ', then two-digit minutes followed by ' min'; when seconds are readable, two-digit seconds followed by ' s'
5 h 21 min
